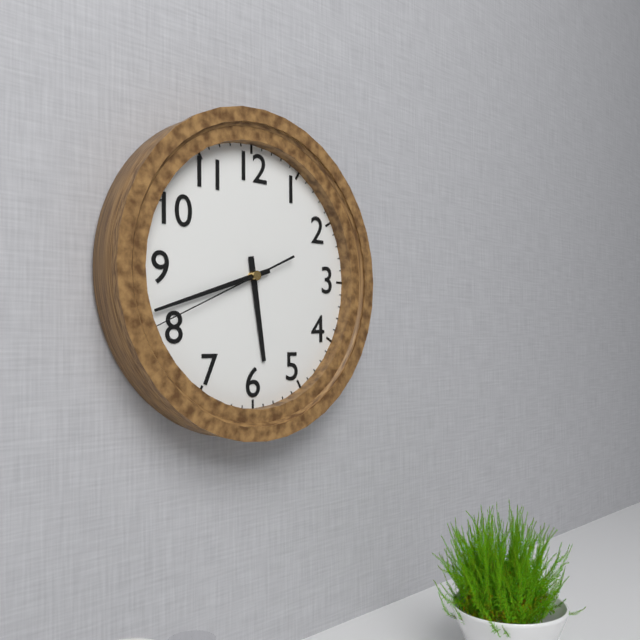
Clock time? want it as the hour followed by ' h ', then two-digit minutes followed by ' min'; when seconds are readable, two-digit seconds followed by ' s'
5 h 42 min 41 s
